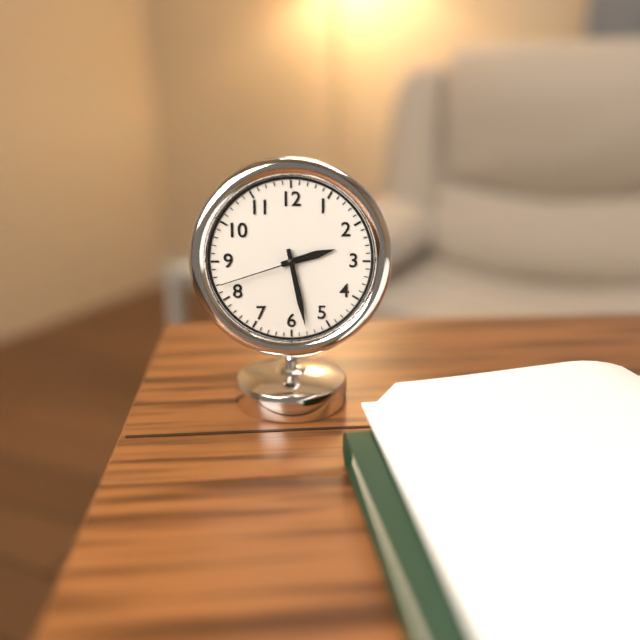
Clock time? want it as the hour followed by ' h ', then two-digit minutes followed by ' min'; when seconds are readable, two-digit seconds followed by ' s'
2 h 28 min 42 s
